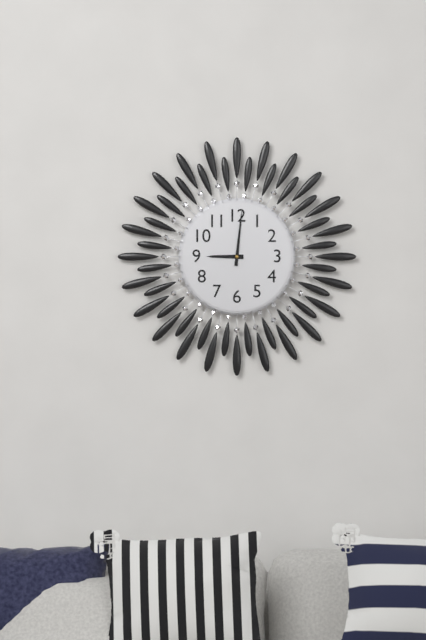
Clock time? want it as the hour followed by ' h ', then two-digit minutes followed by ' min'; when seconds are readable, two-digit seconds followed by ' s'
9 h 01 min
